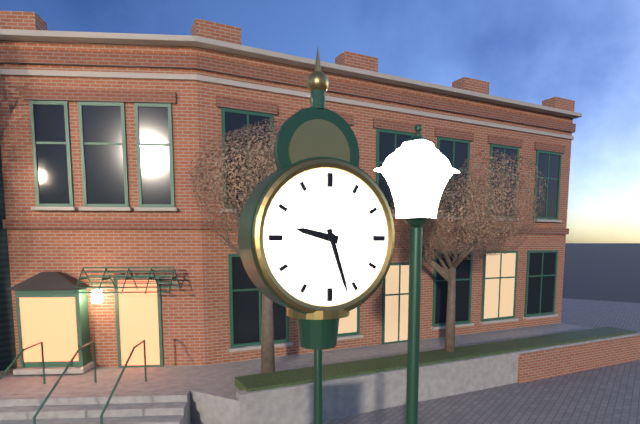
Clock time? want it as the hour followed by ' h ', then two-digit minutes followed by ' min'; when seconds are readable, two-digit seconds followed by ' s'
9 h 27 min
